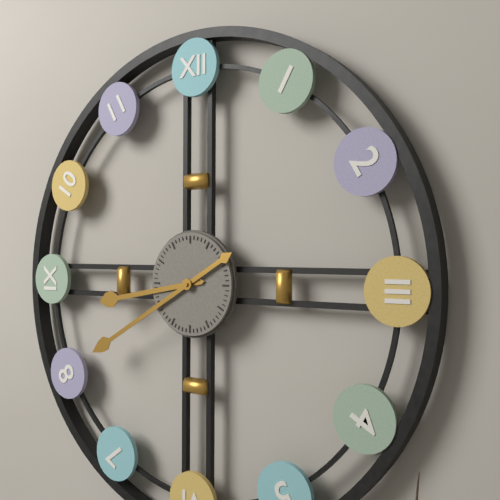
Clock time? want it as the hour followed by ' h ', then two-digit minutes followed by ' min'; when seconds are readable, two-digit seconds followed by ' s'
8 h 40 min
